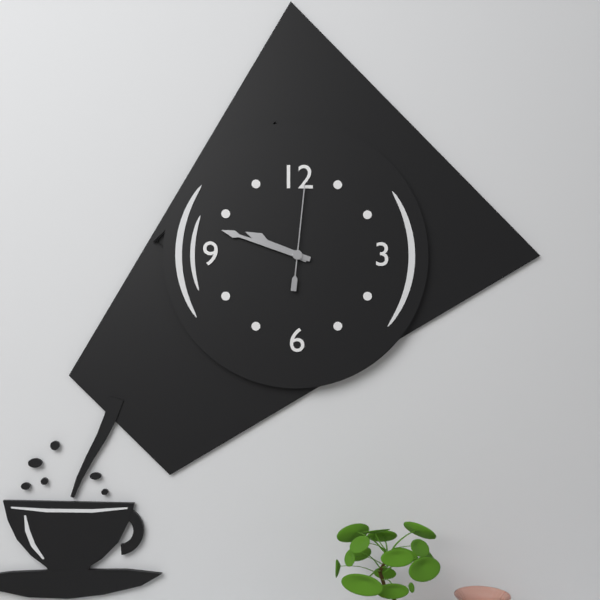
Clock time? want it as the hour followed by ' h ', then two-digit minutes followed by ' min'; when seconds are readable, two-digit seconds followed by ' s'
9 h 48 min 01 s
